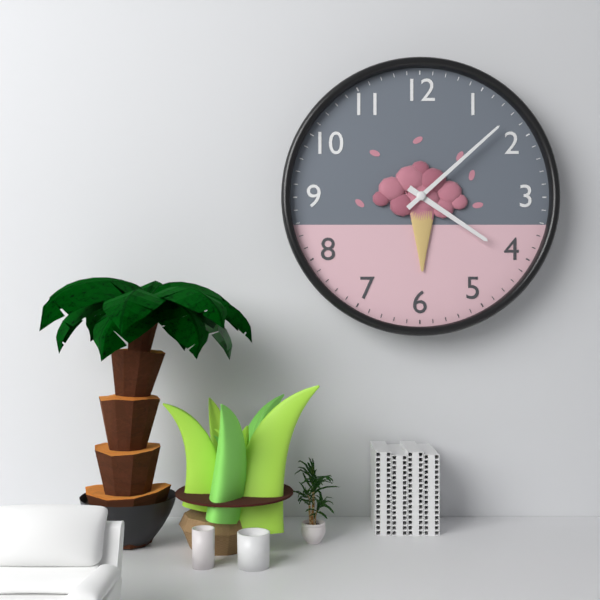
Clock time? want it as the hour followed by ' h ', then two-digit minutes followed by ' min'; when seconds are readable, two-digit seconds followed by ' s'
4 h 08 min
